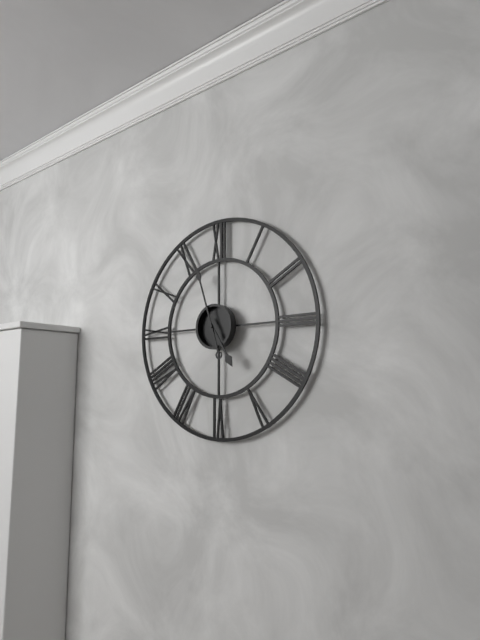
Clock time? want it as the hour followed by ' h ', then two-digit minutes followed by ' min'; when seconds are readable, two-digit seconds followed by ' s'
4 h 57 min
